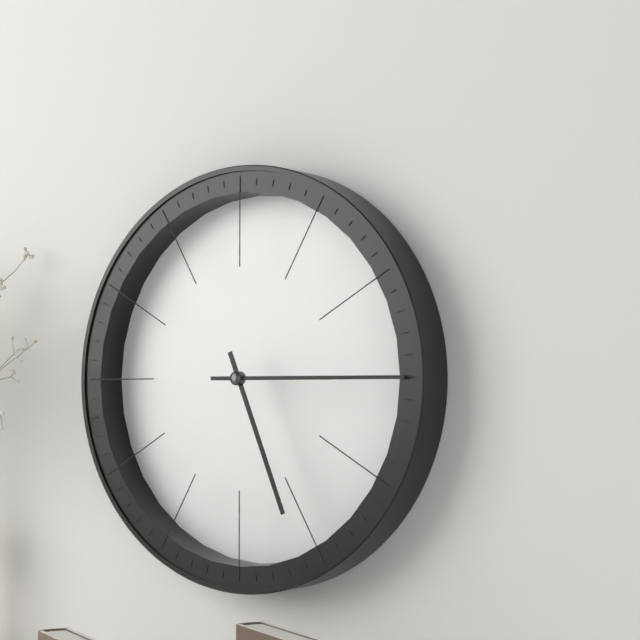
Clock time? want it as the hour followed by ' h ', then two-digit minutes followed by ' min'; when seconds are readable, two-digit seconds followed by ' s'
5 h 15 min
